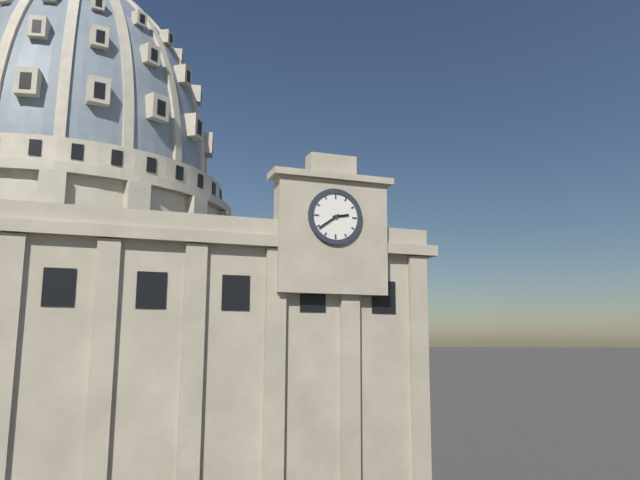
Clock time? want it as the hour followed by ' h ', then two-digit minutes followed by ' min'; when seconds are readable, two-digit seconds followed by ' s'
2 h 39 min
